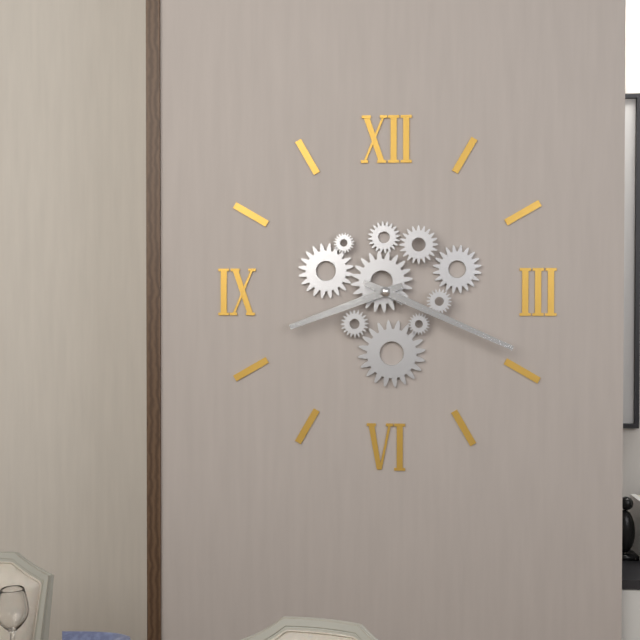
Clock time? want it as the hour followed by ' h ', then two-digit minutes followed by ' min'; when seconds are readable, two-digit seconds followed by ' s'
8 h 19 min
